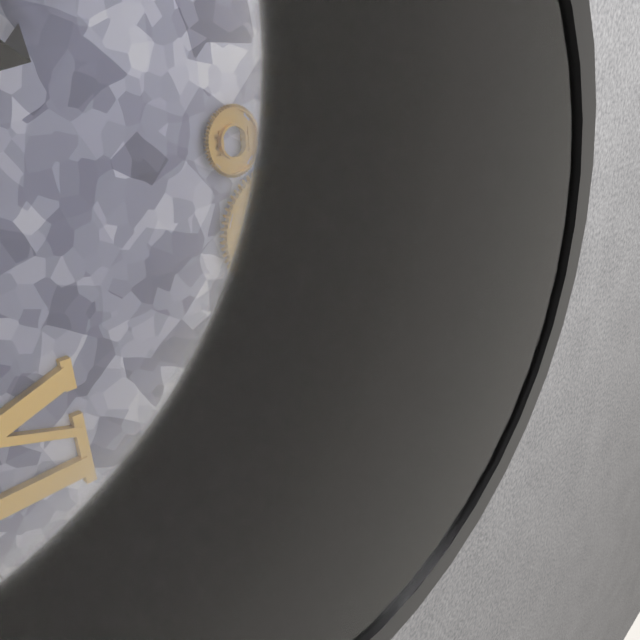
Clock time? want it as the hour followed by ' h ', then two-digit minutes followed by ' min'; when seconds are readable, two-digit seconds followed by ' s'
3 h 39 min
